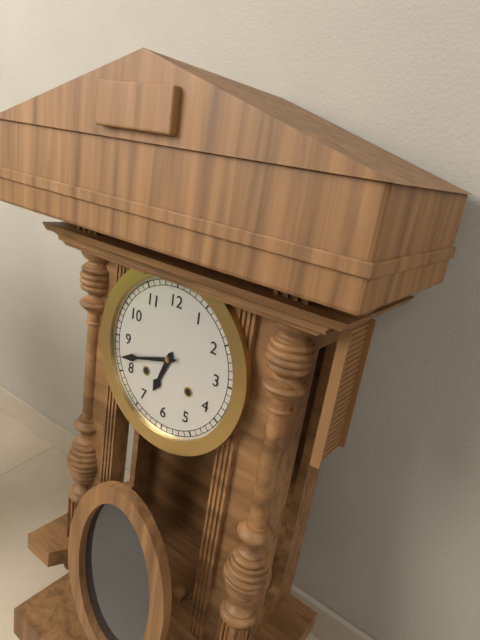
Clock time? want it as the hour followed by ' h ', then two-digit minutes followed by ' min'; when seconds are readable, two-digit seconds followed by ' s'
6 h 42 min
